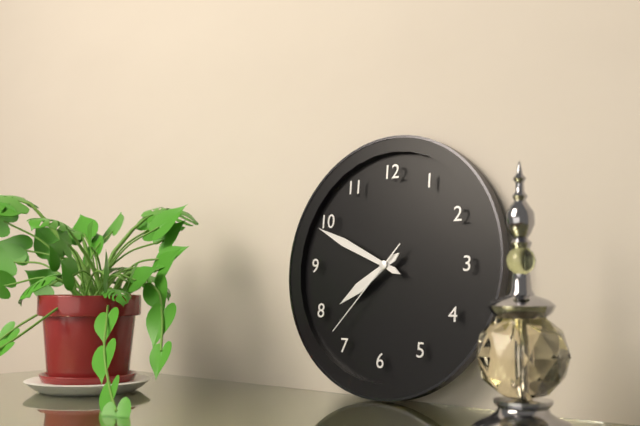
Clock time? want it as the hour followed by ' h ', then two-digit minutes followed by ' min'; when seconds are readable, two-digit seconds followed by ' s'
7 h 49 min 37 s
